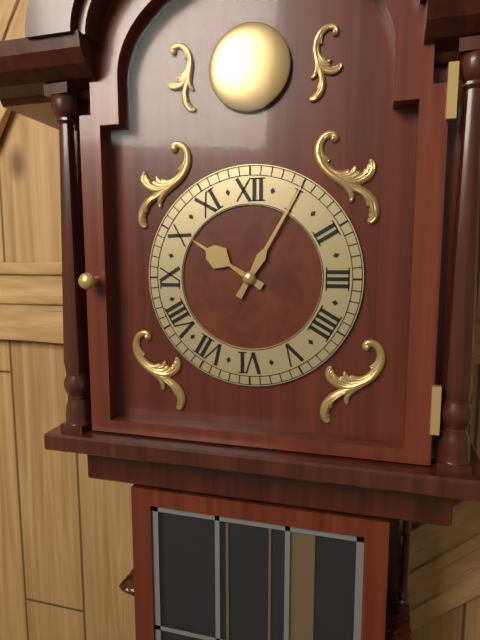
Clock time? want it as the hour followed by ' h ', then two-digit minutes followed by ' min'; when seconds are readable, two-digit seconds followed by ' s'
10 h 05 min
